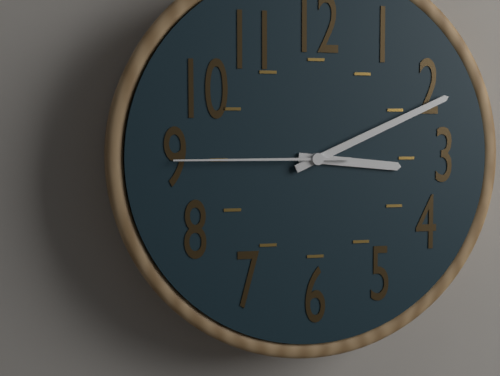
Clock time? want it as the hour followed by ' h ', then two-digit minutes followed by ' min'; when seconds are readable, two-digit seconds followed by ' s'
3 h 11 min 45 s
